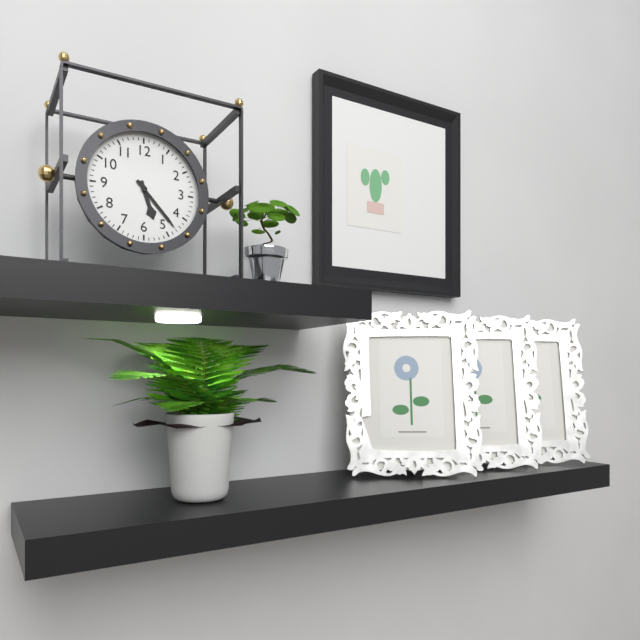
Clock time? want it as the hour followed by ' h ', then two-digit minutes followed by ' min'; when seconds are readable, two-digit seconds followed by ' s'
5 h 23 min
